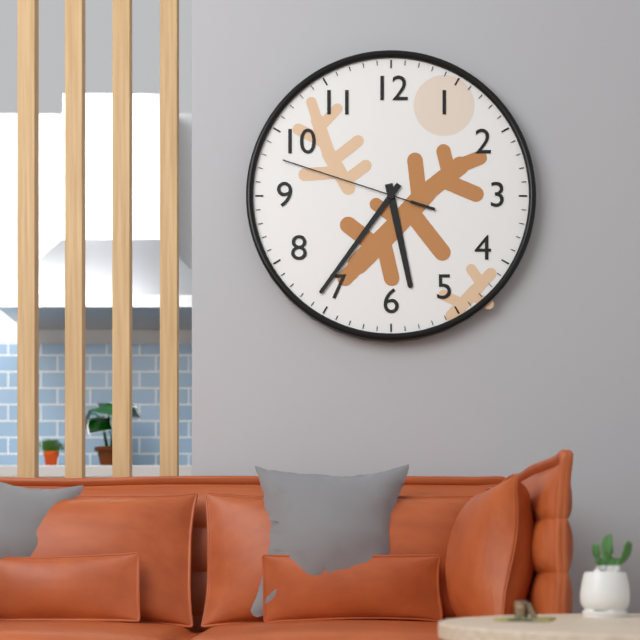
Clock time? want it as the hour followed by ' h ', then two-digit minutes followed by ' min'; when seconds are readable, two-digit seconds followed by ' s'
5 h 36 min 48 s
